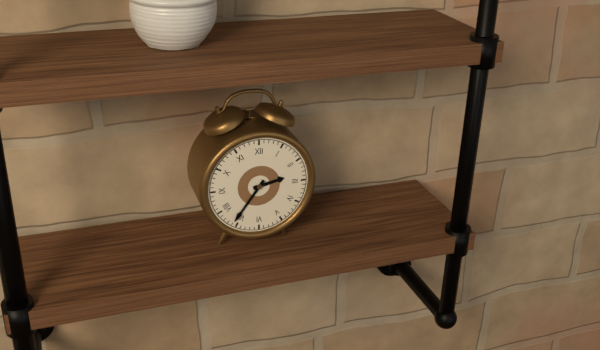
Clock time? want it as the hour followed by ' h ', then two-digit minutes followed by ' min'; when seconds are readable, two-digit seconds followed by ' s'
2 h 36 min
